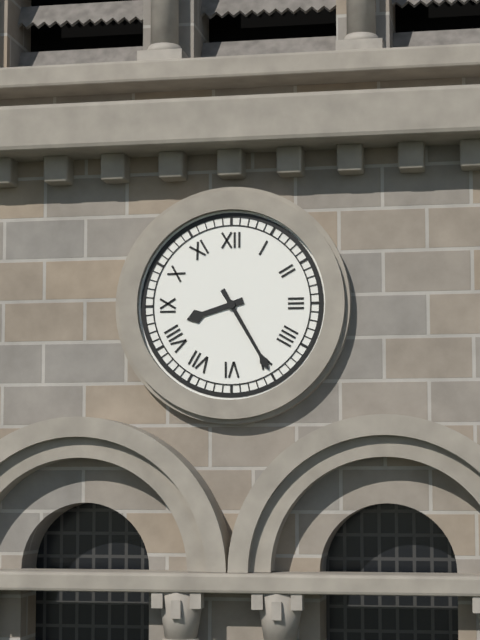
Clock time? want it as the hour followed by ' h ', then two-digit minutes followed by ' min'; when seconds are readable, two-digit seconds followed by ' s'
8 h 25 min
